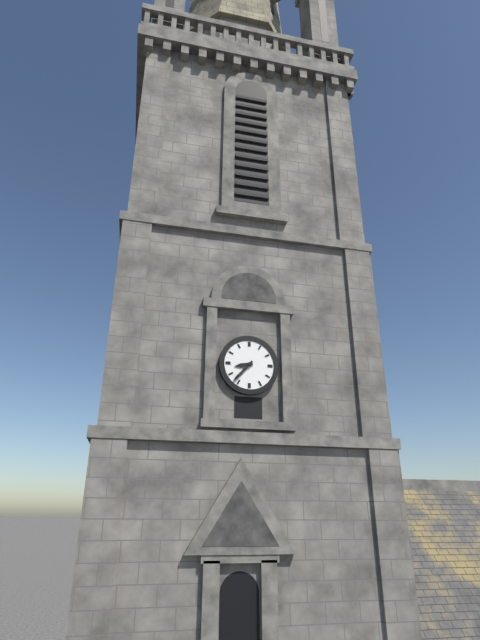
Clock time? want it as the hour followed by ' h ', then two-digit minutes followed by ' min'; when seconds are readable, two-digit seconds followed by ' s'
8 h 37 min
